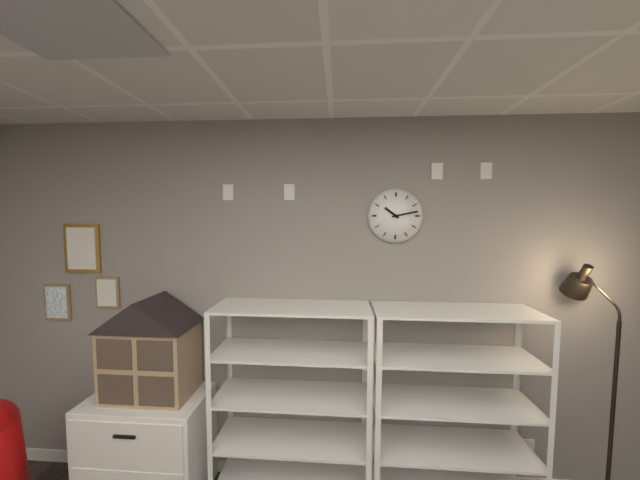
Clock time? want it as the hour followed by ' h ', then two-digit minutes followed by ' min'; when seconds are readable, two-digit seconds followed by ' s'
10 h 13 min
